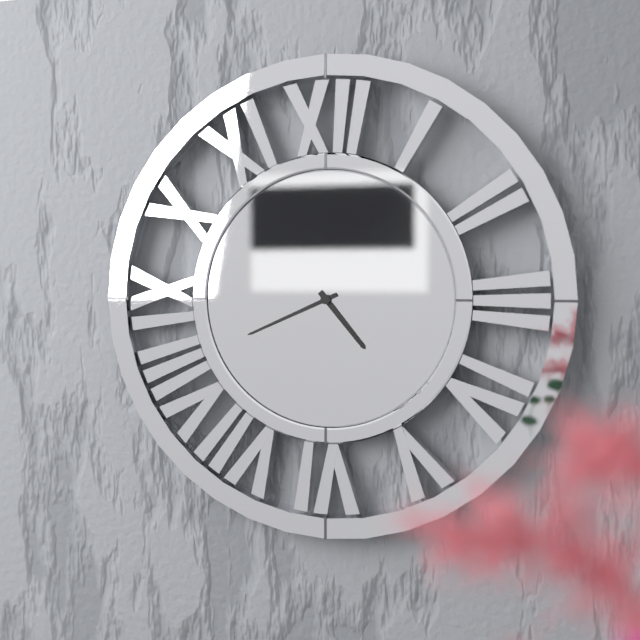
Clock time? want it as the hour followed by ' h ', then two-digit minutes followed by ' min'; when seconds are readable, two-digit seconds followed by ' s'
4 h 41 min
